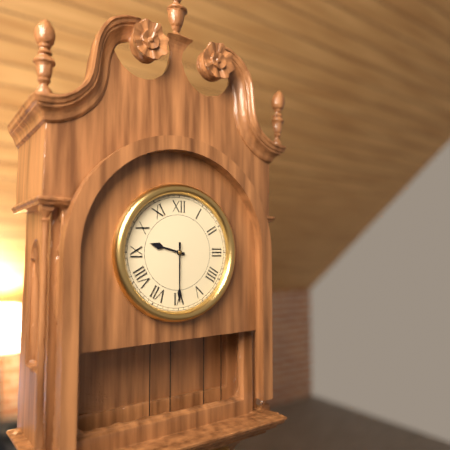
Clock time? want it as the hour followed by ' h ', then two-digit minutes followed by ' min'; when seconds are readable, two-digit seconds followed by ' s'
9 h 30 min
